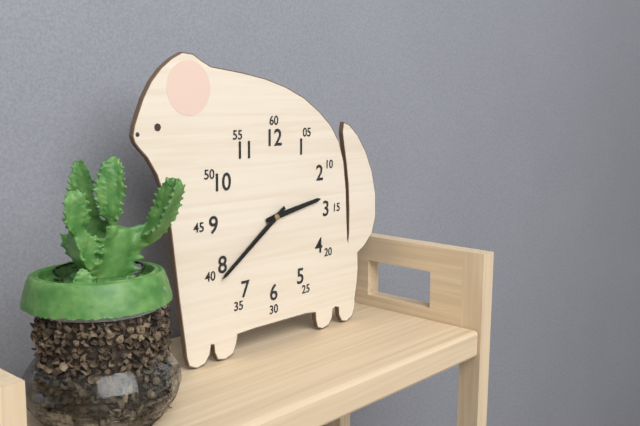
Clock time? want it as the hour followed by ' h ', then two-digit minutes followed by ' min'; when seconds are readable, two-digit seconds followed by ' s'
2 h 39 min
